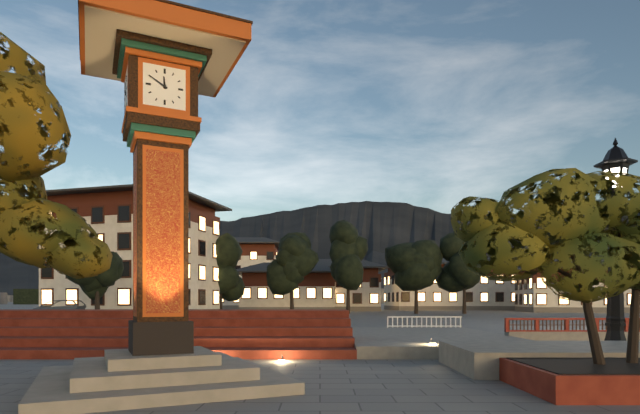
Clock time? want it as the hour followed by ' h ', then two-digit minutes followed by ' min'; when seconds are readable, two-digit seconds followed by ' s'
11 h 50 min
